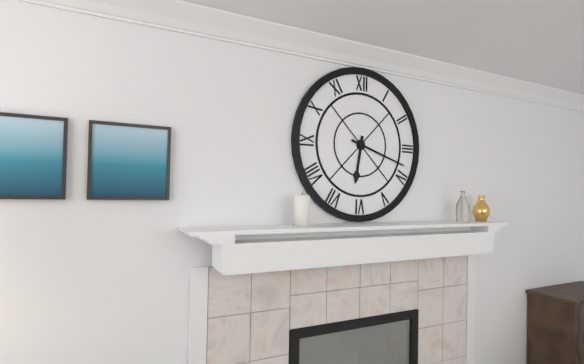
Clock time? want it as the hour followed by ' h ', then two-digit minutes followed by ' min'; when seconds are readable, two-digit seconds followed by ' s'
6 h 18 min
